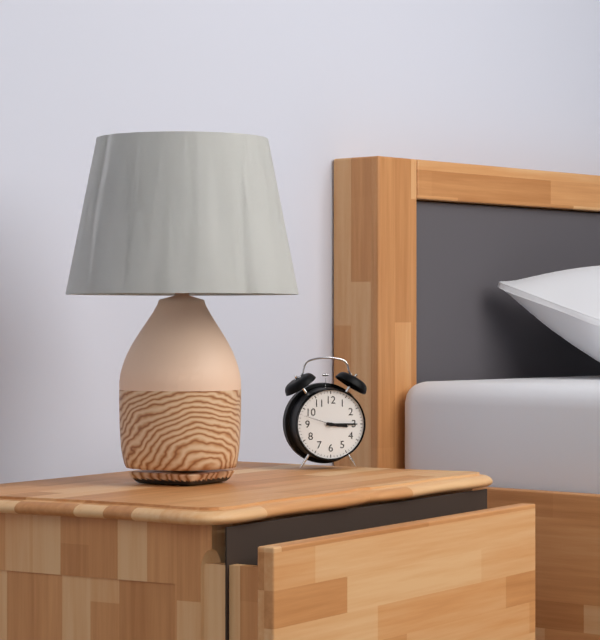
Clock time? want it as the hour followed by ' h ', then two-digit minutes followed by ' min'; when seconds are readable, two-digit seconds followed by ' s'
3 h 15 min
